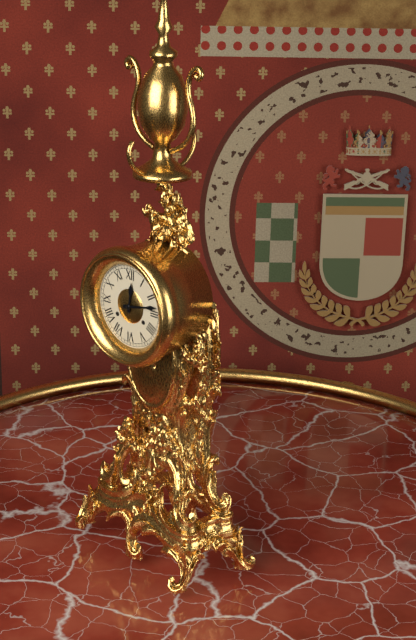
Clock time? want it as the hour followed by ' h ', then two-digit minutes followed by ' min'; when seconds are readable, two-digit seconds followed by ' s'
12 h 13 min
